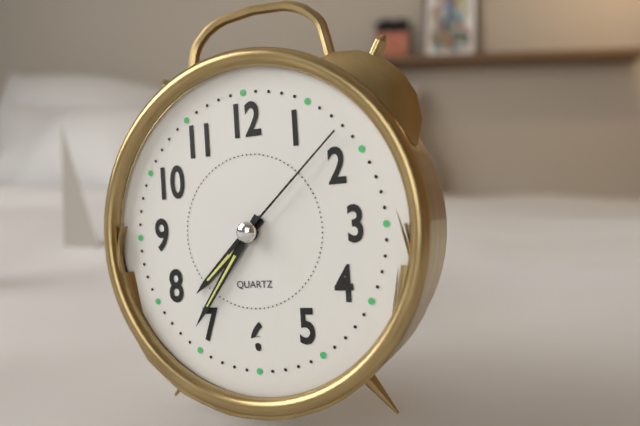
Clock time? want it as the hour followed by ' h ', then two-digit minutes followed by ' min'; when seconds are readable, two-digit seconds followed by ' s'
7 h 36 min 08 s
